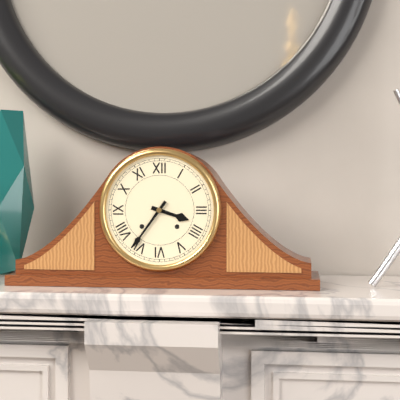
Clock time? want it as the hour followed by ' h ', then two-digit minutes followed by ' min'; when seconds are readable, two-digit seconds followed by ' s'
3 h 36 min
